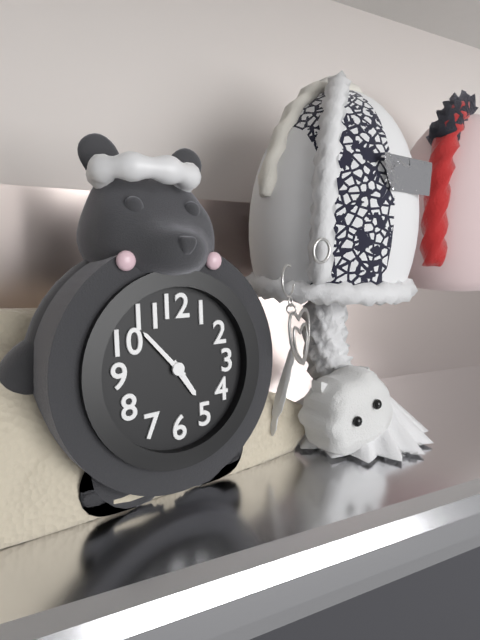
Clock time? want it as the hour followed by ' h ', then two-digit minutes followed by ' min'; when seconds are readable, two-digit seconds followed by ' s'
4 h 53 min
